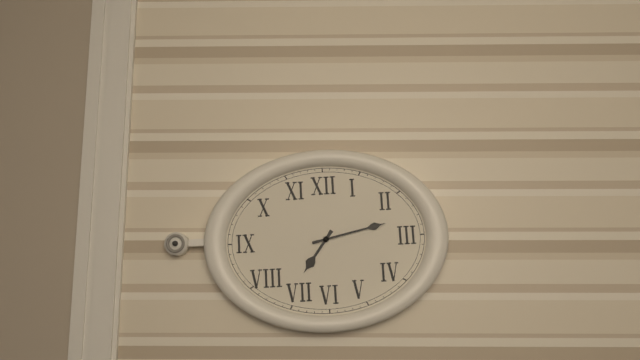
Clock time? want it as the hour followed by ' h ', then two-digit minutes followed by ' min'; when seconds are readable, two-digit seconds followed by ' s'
7 h 13 min
